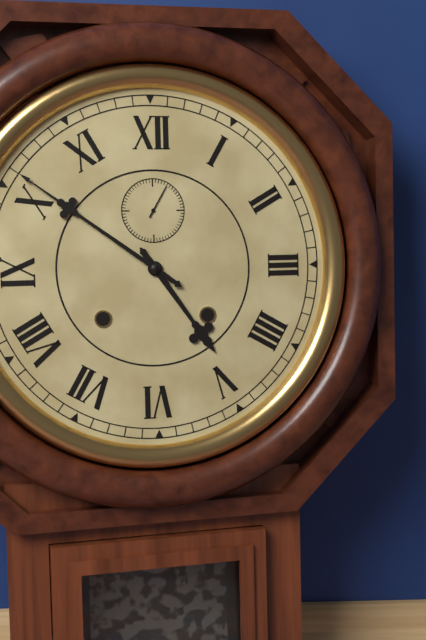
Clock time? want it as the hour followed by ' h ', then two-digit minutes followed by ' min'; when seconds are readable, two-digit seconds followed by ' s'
4 h 51 min
